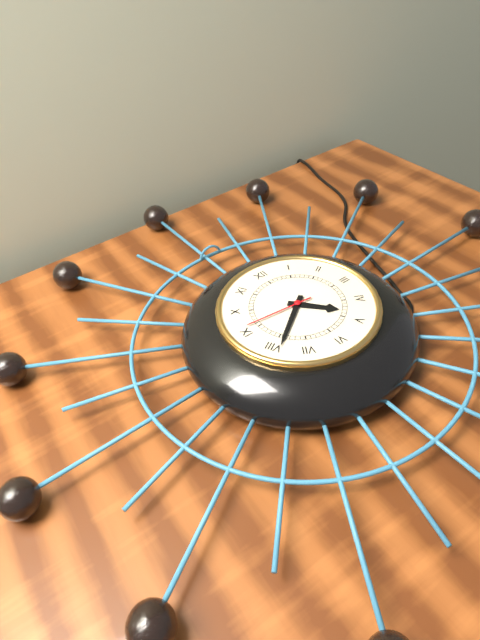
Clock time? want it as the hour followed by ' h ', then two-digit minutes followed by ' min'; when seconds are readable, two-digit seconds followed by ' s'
4 h 39 min 46 s
